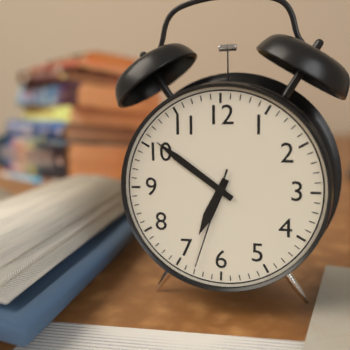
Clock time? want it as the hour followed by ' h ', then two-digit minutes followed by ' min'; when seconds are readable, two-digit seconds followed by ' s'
6 h 51 min 33 s
